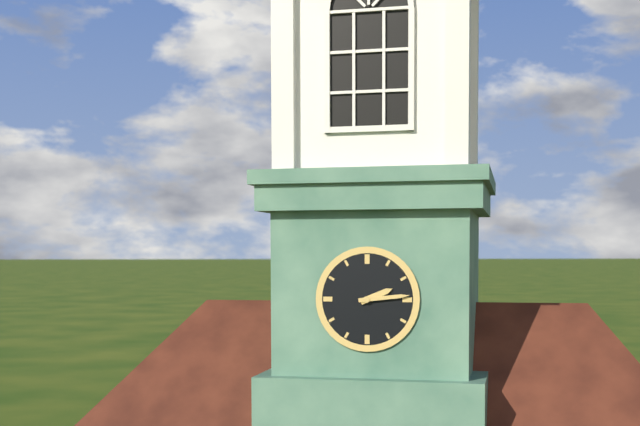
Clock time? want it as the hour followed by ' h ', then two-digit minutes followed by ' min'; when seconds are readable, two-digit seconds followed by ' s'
2 h 14 min
